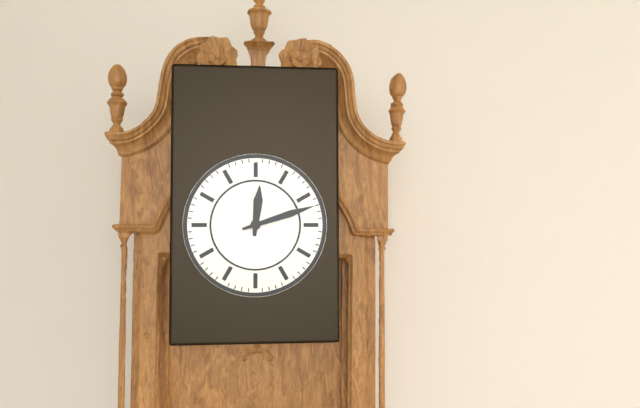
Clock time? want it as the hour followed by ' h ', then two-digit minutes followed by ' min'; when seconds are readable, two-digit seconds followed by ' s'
12 h 12 min
